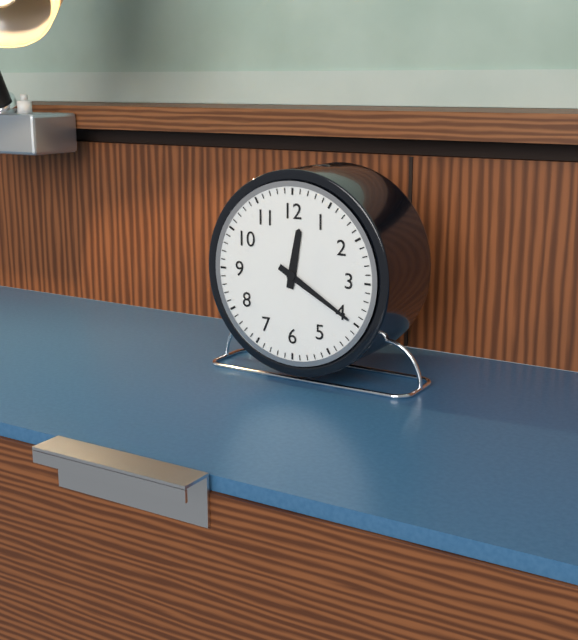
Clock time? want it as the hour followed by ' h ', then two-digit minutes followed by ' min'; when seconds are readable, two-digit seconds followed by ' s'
12 h 20 min
